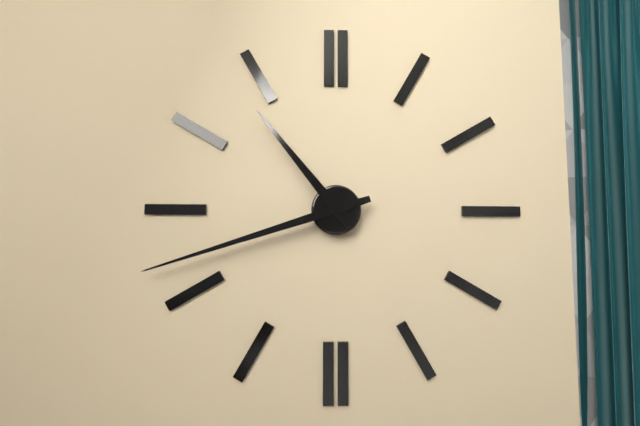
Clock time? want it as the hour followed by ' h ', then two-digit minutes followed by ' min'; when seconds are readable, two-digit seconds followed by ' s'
10 h 42 min
